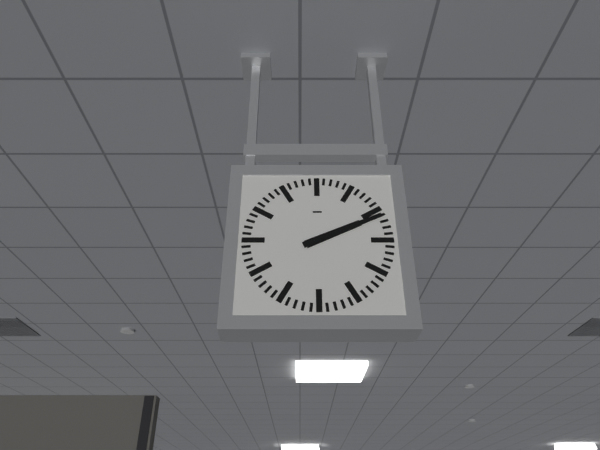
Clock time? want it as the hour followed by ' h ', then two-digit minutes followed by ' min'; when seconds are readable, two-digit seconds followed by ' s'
2 h 11 min
